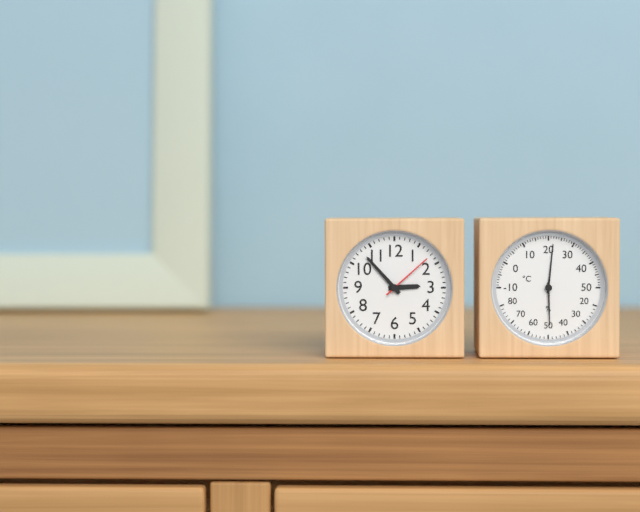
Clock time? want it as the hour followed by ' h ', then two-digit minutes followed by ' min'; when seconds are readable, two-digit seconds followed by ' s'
2 h 53 min 08 s
